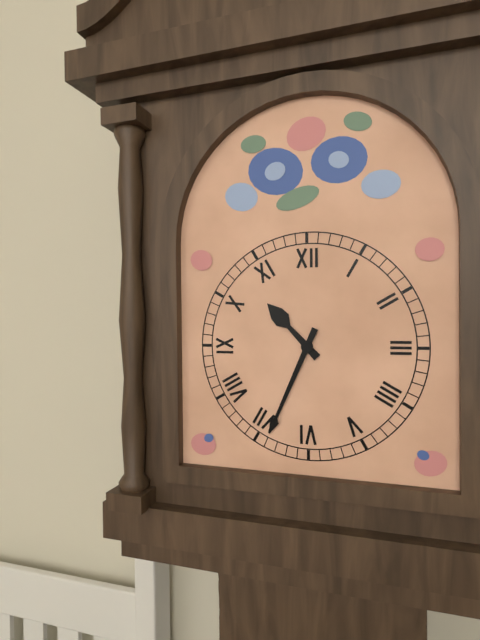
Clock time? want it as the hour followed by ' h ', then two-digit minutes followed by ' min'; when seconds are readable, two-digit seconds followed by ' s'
10 h 34 min
